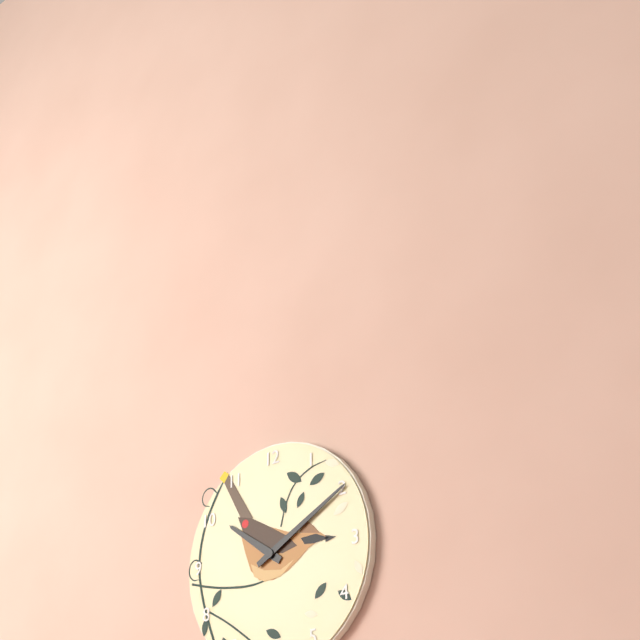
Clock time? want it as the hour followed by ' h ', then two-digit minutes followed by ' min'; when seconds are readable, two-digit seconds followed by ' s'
10 h 10 min
